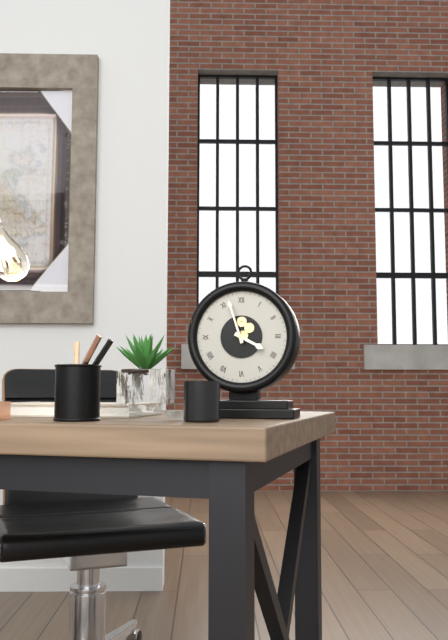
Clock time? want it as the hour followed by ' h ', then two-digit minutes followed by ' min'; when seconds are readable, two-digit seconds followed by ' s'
3 h 57 min
